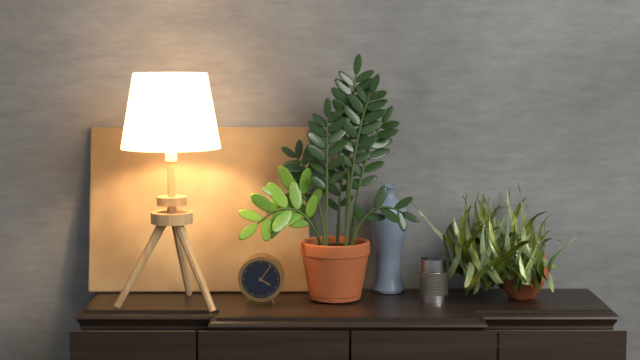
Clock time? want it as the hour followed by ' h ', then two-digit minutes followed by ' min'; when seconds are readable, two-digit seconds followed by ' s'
4 h 06 min
